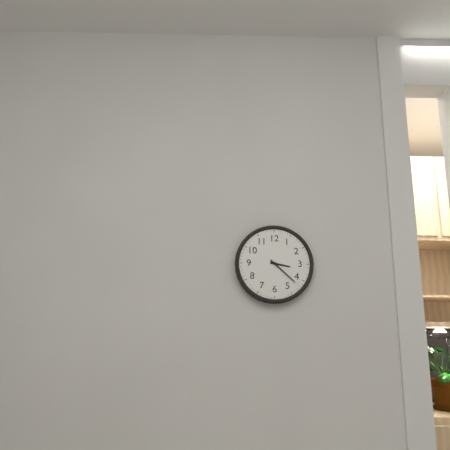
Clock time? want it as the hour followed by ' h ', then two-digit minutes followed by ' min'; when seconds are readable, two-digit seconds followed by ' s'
3 h 22 min
